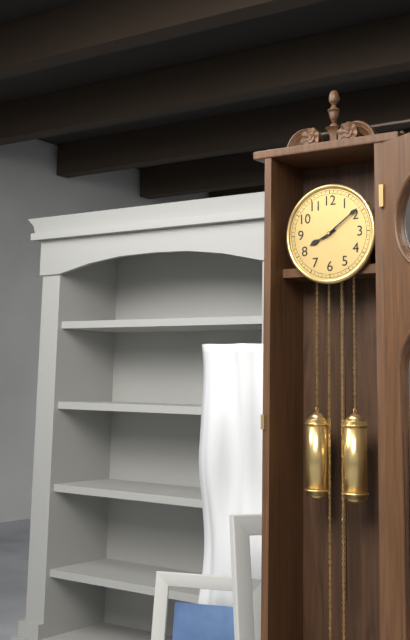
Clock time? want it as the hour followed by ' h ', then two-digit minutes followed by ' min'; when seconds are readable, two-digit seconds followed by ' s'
8 h 09 min
